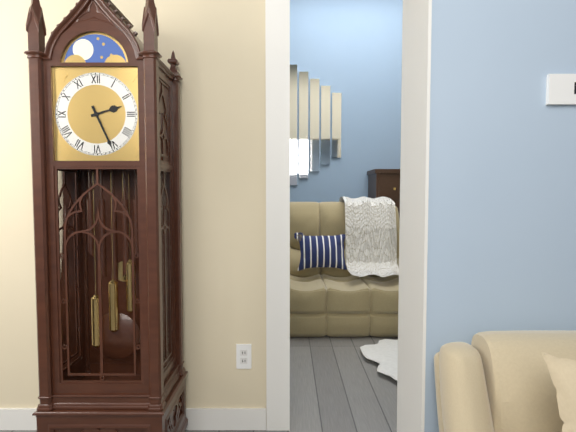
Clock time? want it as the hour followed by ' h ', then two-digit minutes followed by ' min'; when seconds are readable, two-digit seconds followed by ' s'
2 h 26 min
